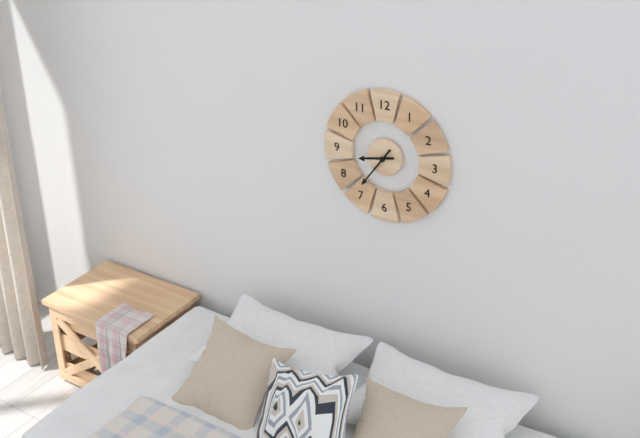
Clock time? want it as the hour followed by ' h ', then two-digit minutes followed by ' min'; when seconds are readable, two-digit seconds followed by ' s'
8 h 36 min
